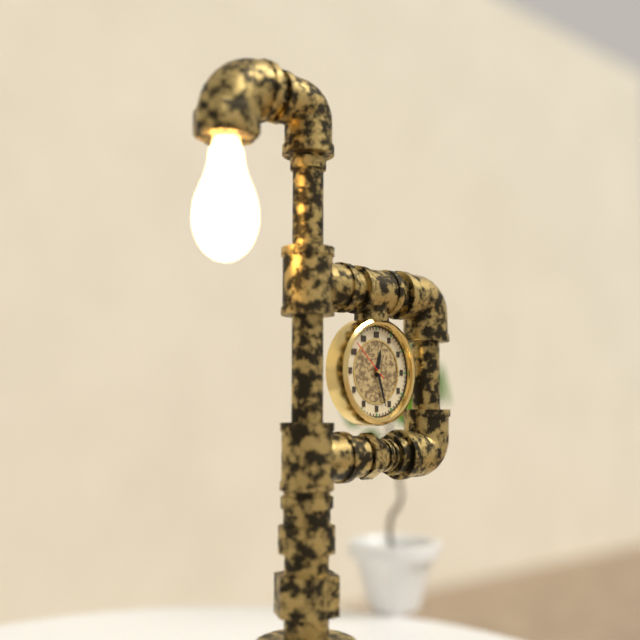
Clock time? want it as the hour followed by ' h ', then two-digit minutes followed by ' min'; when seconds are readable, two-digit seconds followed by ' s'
12 h 27 min
